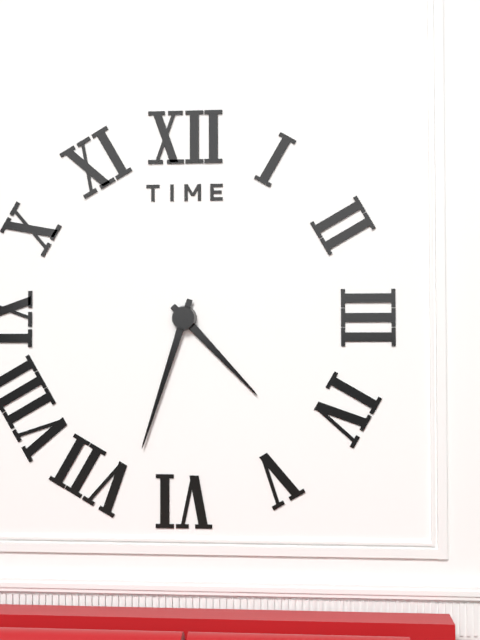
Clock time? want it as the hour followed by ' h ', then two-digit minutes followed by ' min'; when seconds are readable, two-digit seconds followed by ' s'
4 h 33 min
